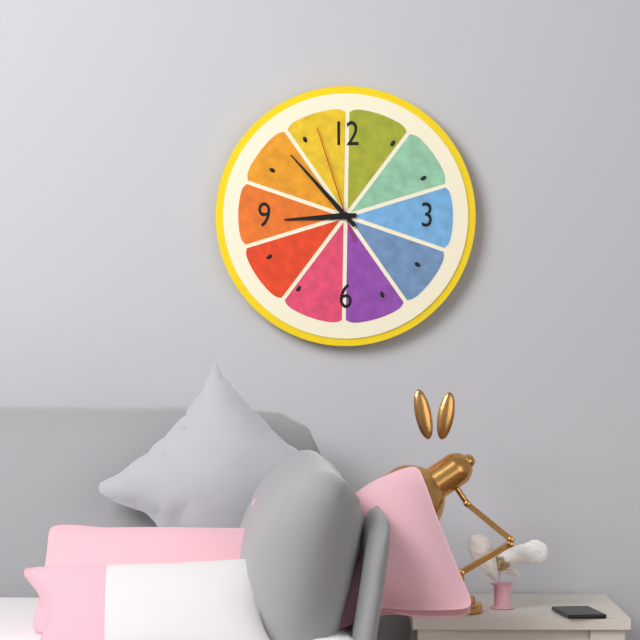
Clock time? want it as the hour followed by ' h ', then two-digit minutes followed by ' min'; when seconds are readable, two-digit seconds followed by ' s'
8 h 53 min 57 s
